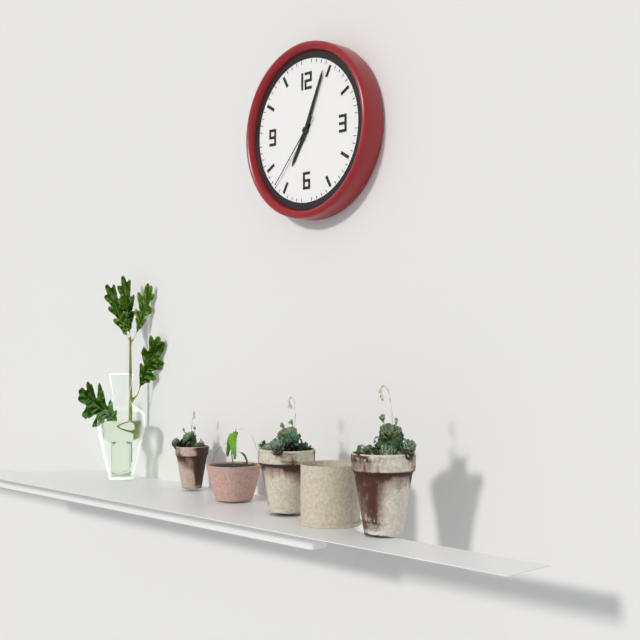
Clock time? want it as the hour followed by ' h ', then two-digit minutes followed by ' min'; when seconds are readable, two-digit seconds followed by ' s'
7 h 04 min 37 s
